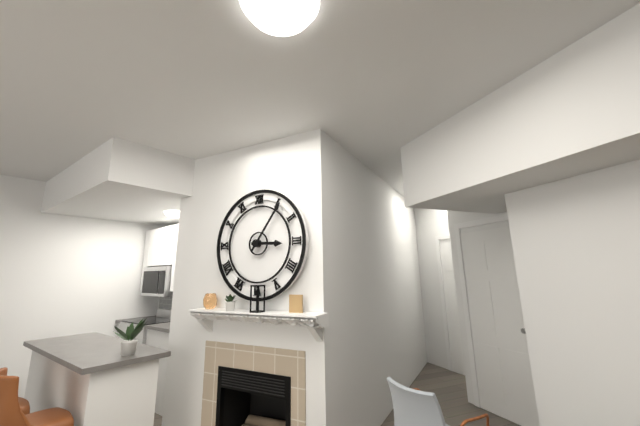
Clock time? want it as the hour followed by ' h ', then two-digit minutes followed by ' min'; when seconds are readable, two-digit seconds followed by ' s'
3 h 06 min
